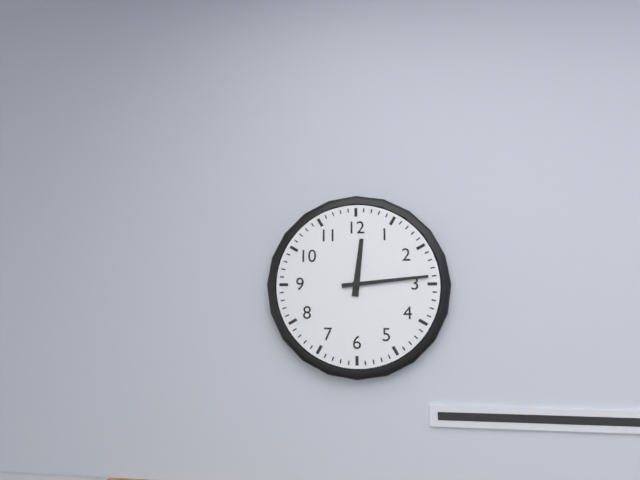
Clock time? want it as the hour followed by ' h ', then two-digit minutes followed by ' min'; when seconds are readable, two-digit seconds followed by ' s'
12 h 14 min
